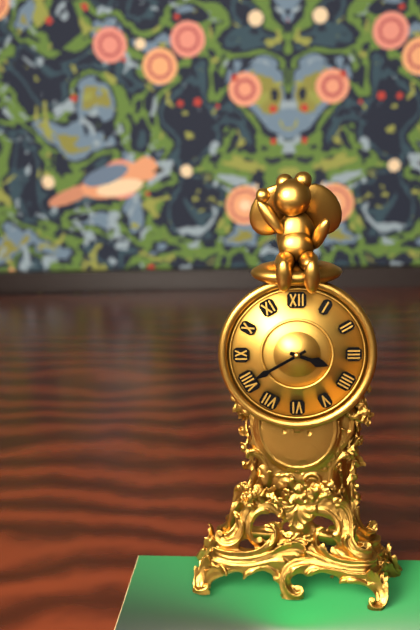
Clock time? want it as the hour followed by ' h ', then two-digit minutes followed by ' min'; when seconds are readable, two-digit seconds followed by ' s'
3 h 40 min
